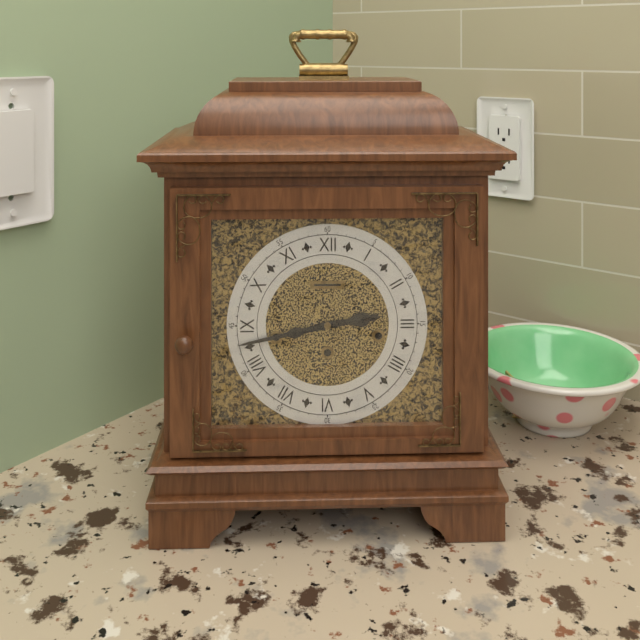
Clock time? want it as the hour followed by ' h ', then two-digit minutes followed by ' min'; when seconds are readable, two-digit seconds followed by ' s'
2 h 43 min
